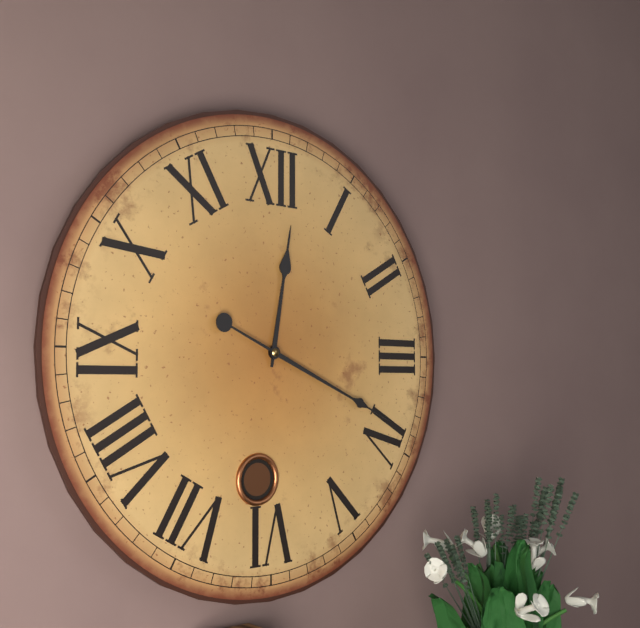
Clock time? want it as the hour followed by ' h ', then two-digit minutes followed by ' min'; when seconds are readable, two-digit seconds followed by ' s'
12 h 19 min
